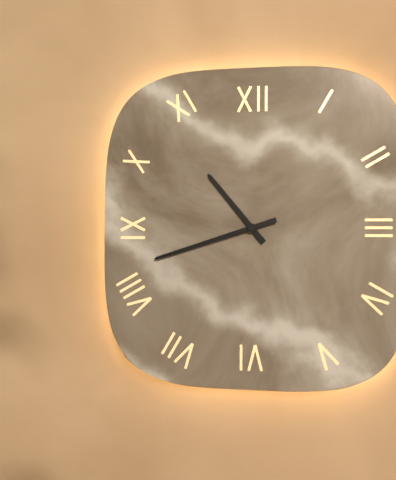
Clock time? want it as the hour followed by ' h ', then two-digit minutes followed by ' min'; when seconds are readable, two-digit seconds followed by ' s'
10 h 42 min
